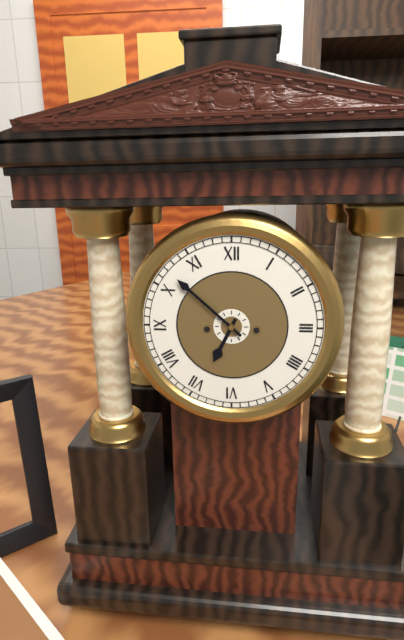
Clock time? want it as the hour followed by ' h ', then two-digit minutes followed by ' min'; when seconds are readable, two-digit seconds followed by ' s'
6 h 52 min
